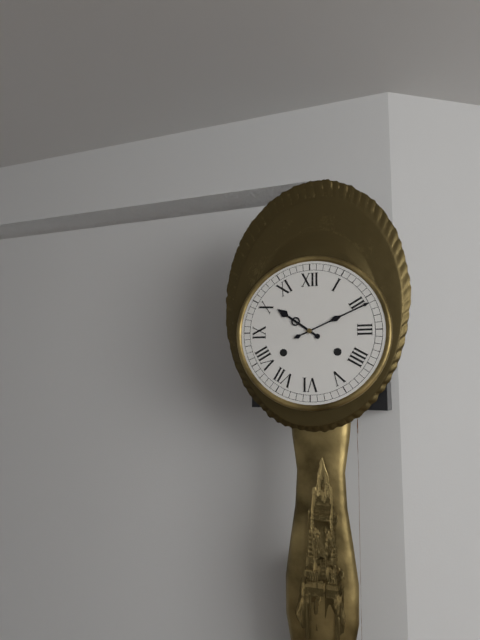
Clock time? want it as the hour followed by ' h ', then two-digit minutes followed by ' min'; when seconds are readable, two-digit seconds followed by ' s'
10 h 11 min
